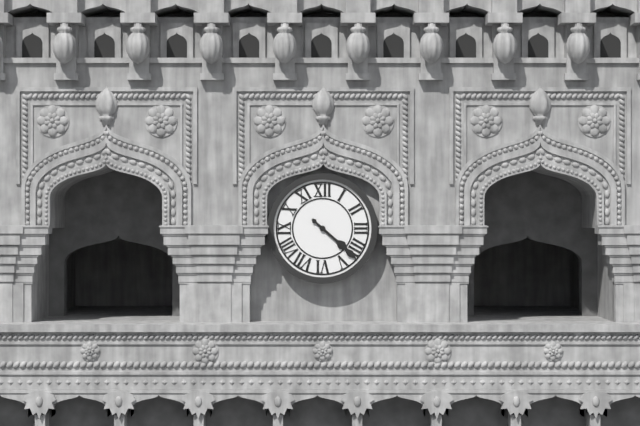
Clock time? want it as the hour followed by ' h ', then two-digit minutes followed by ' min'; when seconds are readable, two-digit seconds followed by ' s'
4 h 22 min
